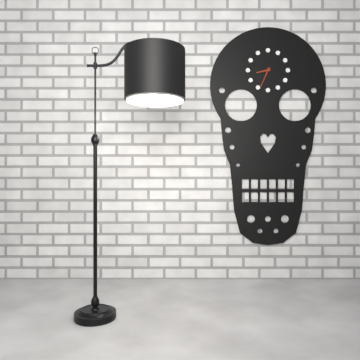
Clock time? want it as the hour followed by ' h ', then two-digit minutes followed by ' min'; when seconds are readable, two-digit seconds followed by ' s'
8 h 34 min
